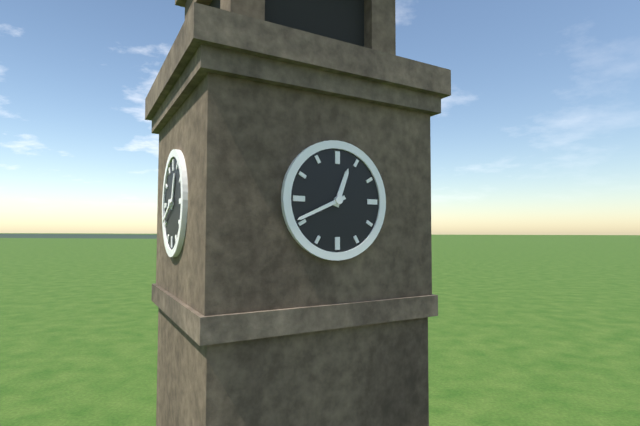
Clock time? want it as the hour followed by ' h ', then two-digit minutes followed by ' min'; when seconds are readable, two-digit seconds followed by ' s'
12 h 41 min
